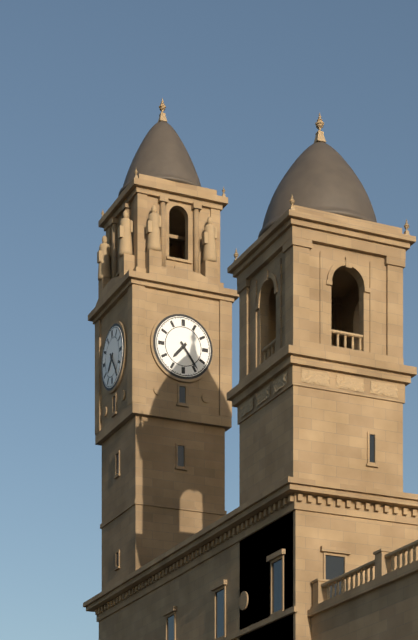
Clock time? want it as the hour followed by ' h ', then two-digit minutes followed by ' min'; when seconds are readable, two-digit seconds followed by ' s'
7 h 24 min
